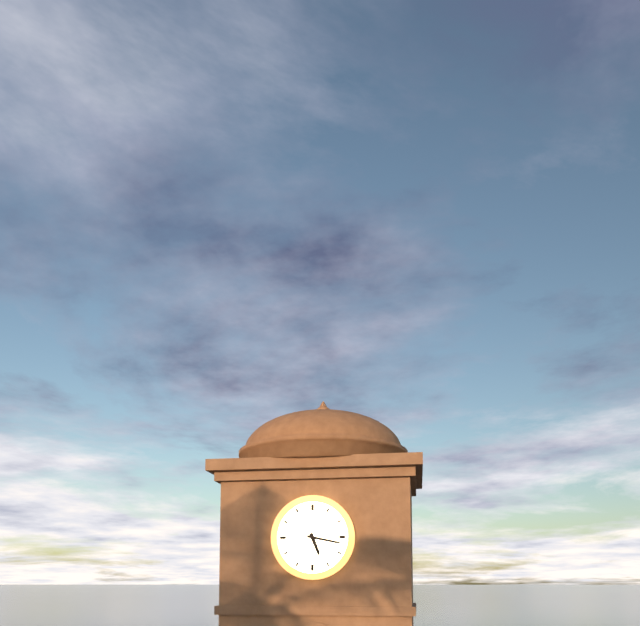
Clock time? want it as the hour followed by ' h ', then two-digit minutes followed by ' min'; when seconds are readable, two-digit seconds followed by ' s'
5 h 17 min
